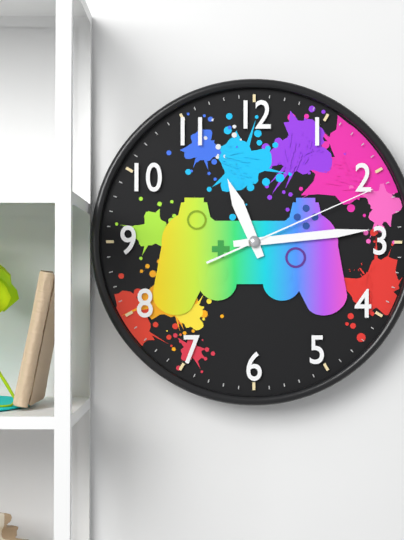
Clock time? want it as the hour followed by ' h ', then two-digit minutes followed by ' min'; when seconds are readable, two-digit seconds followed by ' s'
11 h 14 min 11 s
